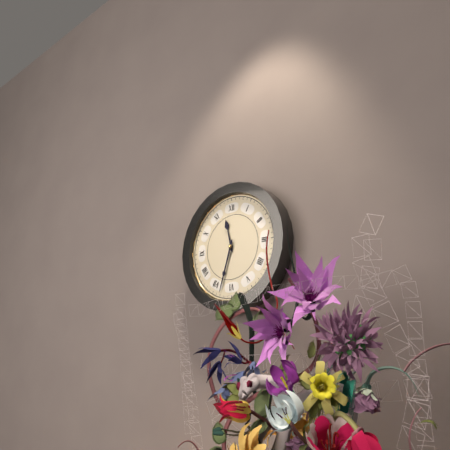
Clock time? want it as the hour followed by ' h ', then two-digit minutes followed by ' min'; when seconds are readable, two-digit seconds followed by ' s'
11 h 33 min
